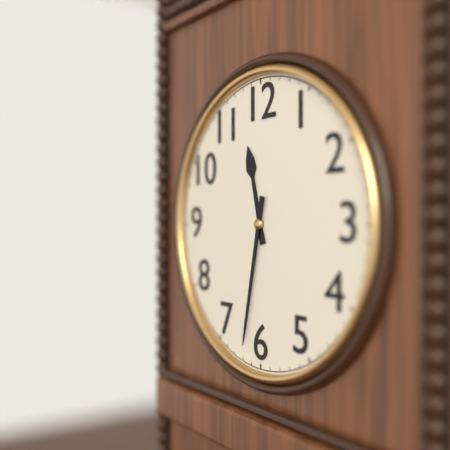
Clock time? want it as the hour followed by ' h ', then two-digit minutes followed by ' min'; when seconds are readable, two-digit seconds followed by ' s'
11 h 32 min
